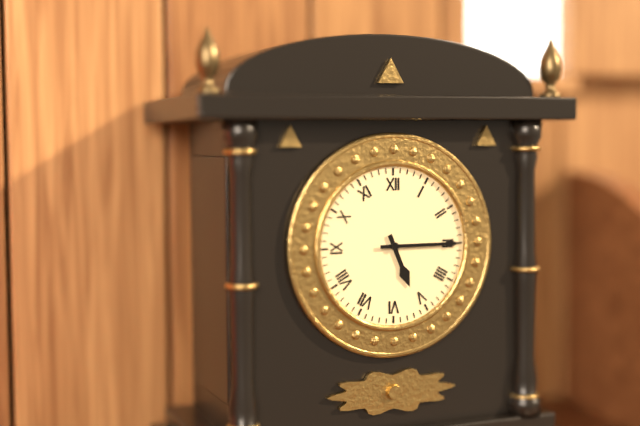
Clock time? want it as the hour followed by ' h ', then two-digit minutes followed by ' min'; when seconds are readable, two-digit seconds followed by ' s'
5 h 15 min
